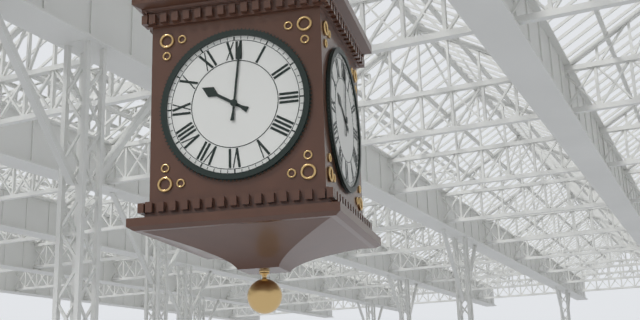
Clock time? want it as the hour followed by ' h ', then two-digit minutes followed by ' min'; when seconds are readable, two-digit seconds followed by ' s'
10 h 01 min
